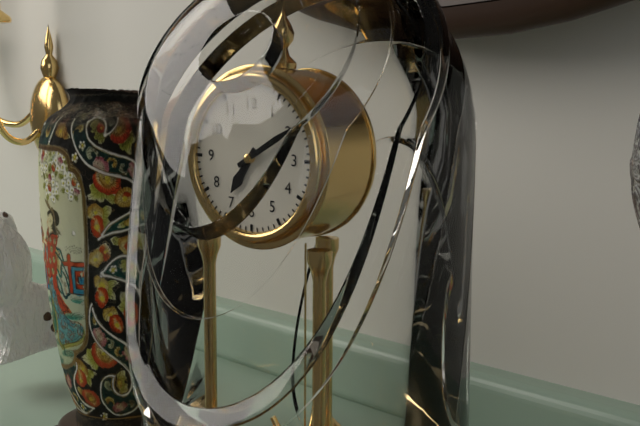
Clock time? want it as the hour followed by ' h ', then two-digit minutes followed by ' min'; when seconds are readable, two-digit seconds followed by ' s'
7 h 10 min
